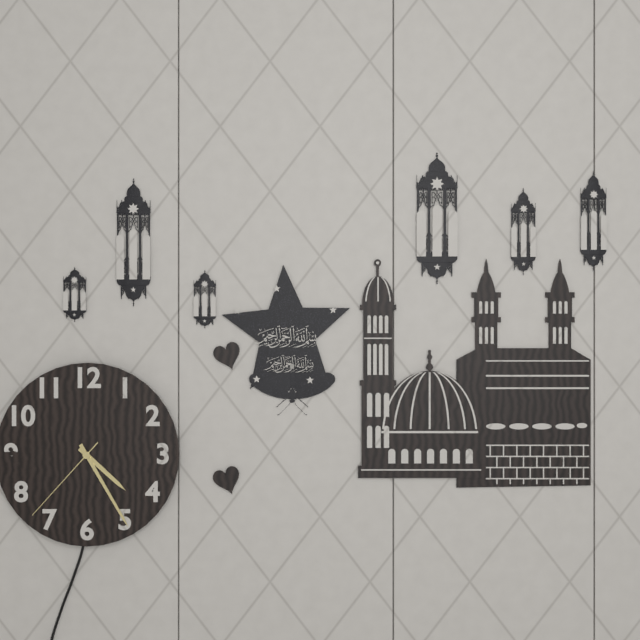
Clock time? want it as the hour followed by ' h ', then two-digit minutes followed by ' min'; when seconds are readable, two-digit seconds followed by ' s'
4 h 25 min 37 s
